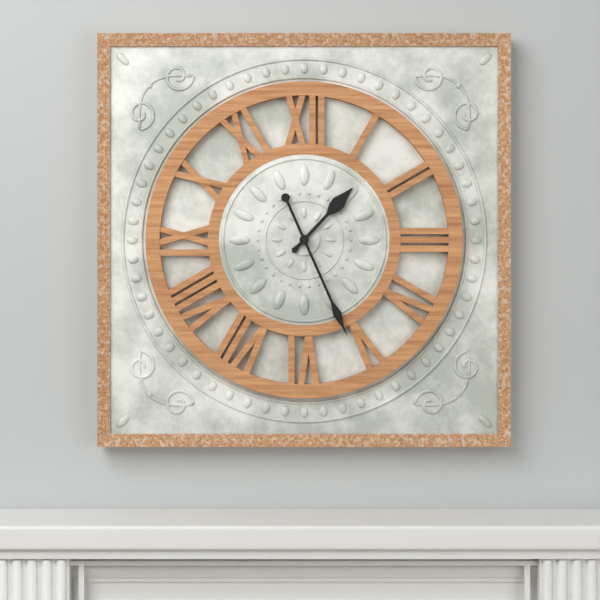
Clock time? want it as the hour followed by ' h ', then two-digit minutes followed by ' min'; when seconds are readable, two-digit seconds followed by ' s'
1 h 26 min
